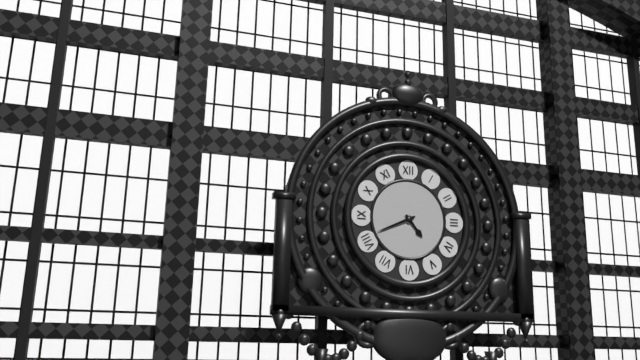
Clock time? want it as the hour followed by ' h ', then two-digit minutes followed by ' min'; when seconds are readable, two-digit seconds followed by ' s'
4 h 41 min
